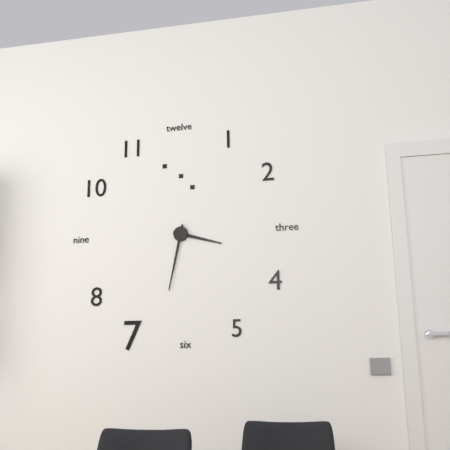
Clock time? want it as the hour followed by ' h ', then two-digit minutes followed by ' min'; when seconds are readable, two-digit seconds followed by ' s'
3 h 32 min
